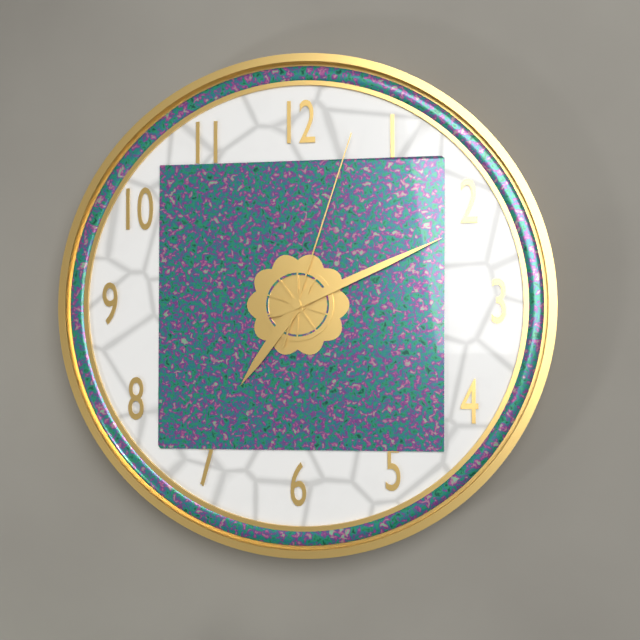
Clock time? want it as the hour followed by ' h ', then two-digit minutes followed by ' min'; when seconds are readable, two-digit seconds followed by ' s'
7 h 11 min 03 s
